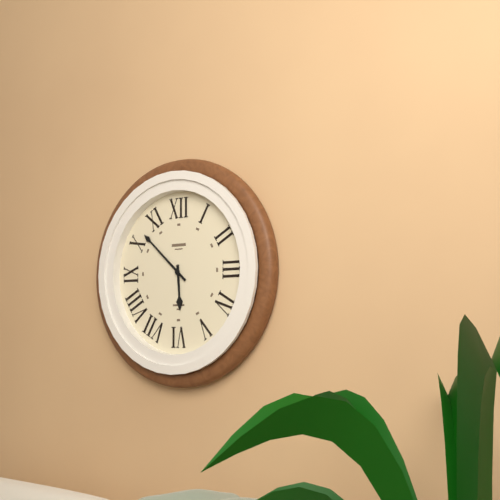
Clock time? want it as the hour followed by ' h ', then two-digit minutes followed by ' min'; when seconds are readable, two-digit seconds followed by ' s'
5 h 52 min
